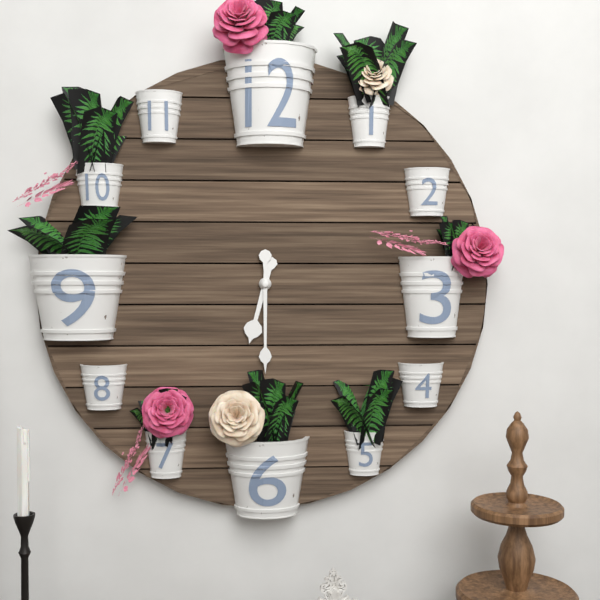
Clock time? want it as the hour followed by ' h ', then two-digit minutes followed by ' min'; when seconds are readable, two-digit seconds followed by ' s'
6 h 30 min
